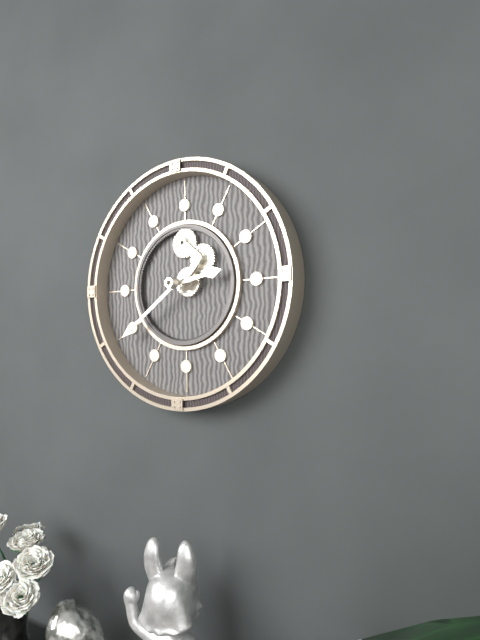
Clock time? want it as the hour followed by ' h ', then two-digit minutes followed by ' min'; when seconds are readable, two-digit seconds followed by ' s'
2 h 39 min
